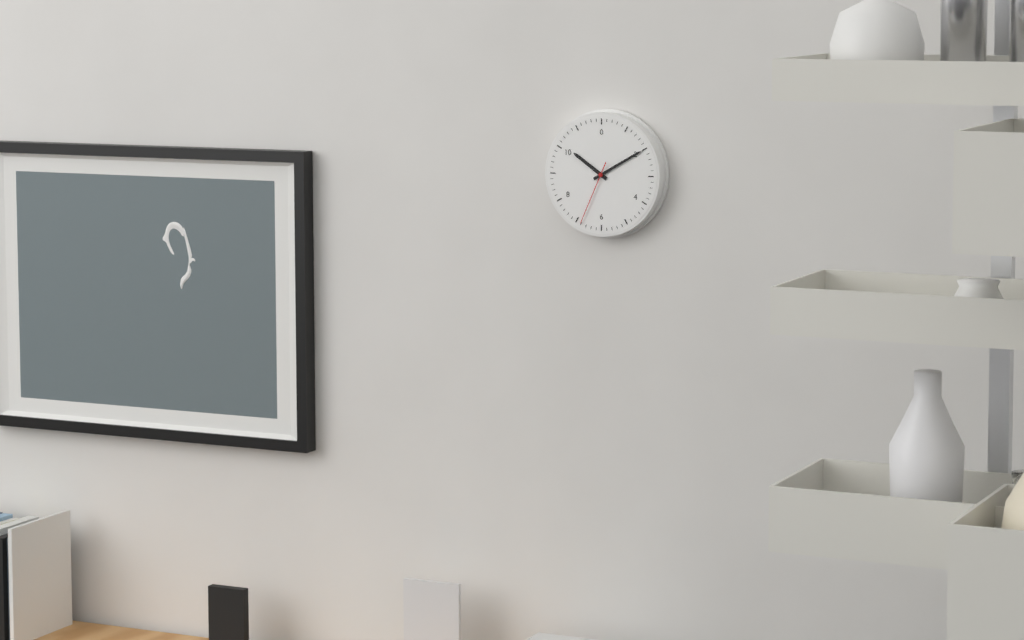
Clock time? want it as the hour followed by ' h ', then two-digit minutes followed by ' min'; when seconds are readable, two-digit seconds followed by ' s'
10 h 10 min 34 s
